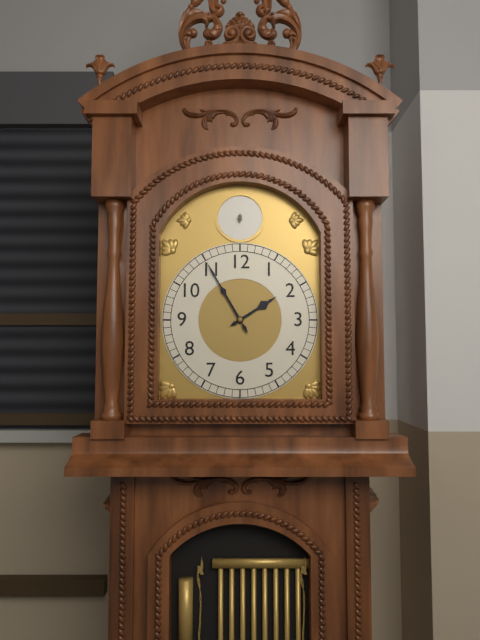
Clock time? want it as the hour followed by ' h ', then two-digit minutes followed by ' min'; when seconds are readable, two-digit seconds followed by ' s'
1 h 55 min
